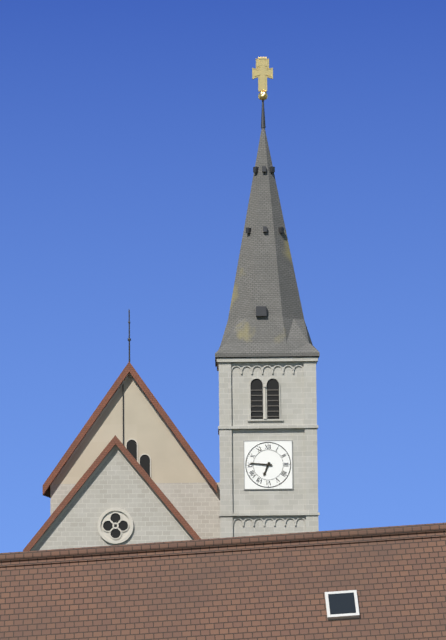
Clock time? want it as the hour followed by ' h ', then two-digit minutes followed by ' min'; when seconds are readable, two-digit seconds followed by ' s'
6 h 46 min
